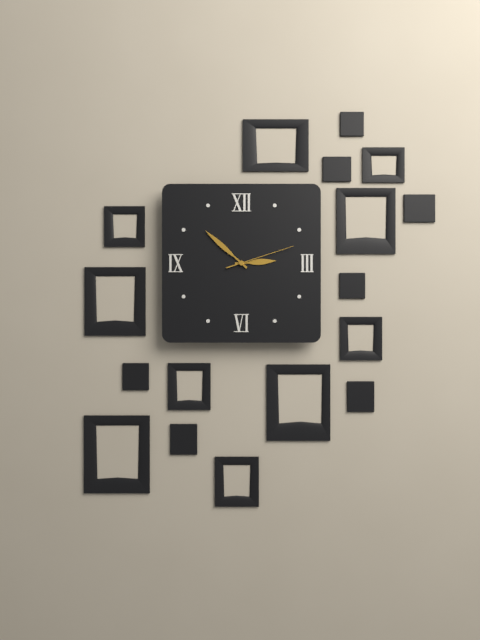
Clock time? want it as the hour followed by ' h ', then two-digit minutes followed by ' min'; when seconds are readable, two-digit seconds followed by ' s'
2 h 52 min 12 s
